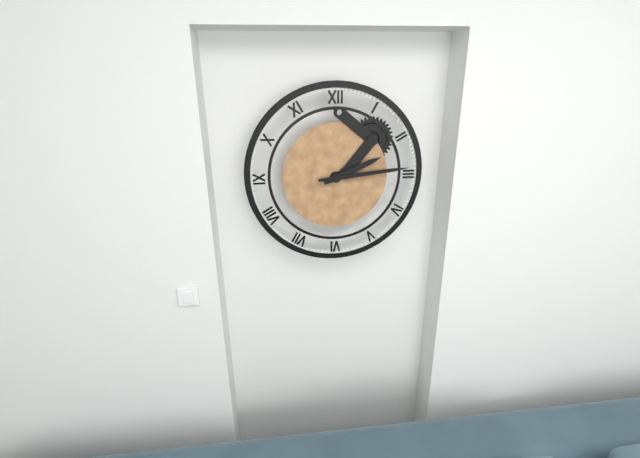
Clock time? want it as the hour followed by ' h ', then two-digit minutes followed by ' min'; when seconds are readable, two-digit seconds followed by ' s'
2 h 14 min
